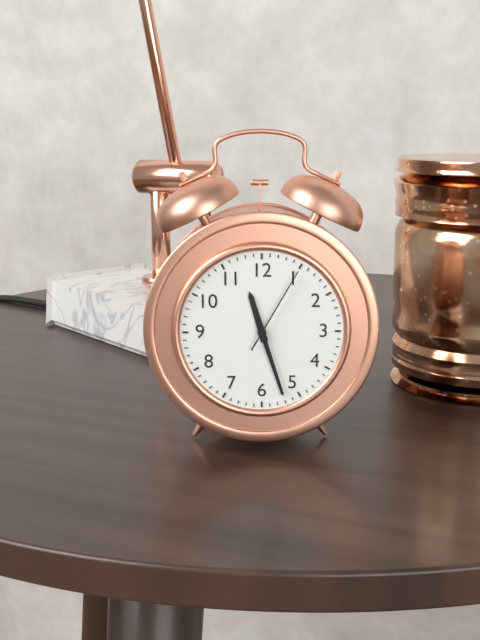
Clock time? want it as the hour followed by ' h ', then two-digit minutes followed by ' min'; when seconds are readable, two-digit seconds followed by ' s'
11 h 27 min 05 s
